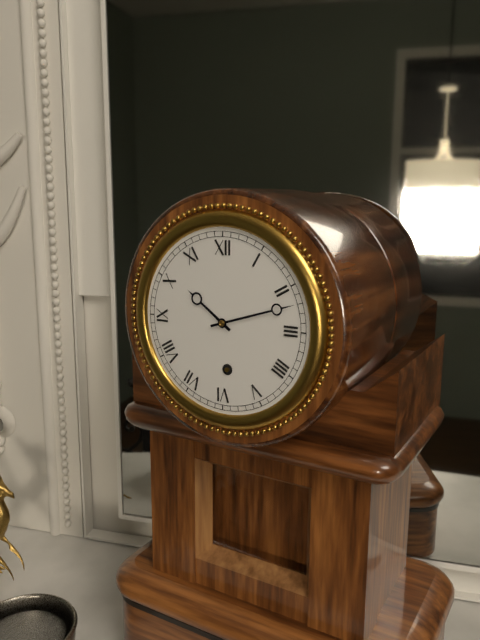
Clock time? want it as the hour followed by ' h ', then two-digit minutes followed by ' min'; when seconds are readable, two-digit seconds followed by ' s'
10 h 12 min
